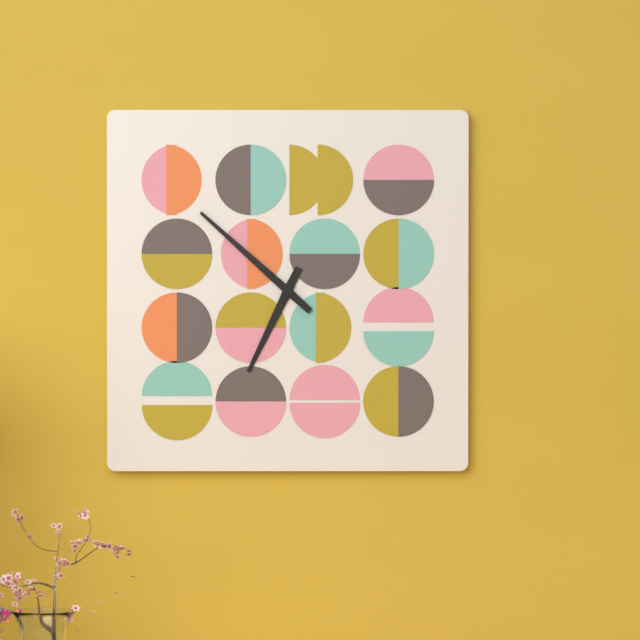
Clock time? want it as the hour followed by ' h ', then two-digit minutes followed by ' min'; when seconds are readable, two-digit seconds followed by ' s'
6 h 52 min
